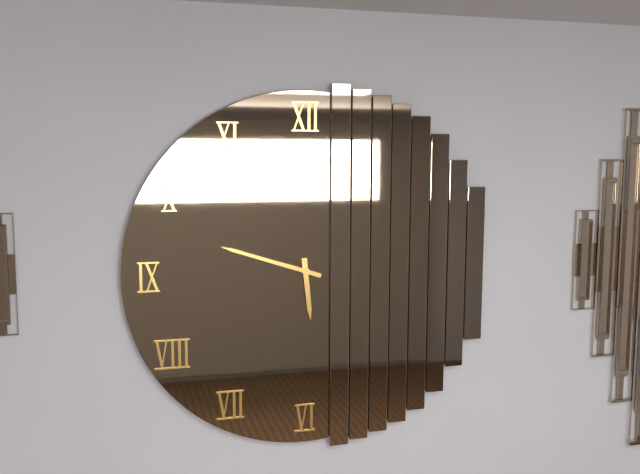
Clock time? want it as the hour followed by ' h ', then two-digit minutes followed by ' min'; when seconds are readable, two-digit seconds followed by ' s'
5 h 48 min
